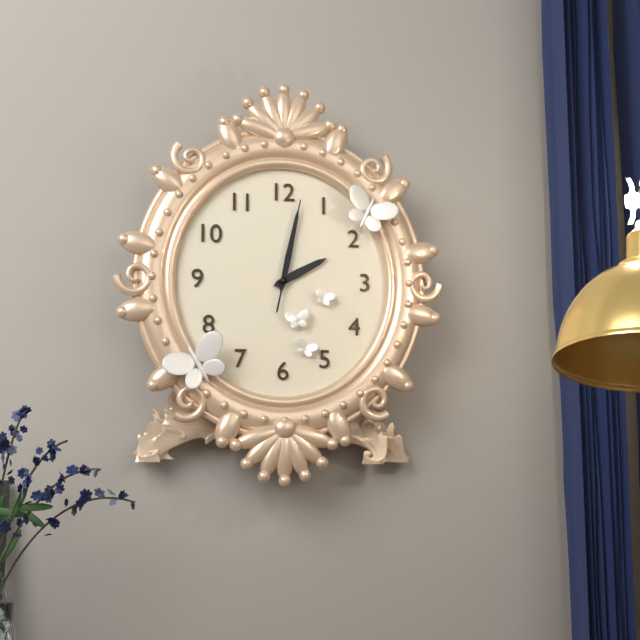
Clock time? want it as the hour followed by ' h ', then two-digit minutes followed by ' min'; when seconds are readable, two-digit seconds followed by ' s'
2 h 02 min 02 s
